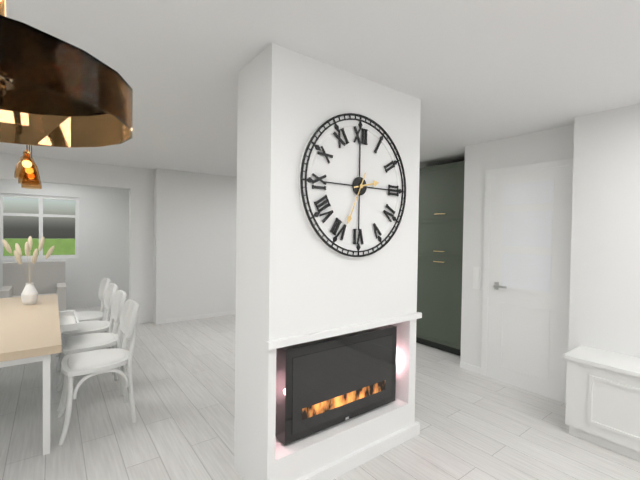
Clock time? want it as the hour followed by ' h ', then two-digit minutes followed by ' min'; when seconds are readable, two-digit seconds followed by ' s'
2 h 34 min
